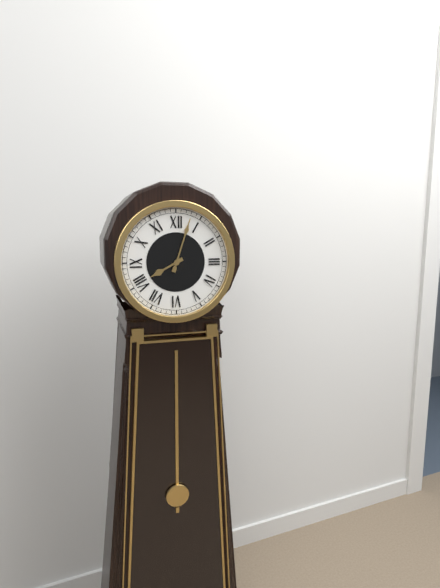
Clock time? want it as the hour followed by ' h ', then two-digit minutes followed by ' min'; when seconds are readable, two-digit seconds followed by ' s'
8 h 03 min
